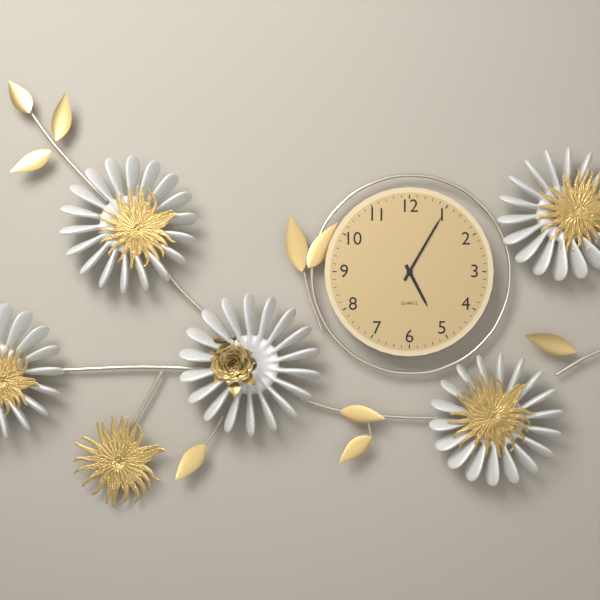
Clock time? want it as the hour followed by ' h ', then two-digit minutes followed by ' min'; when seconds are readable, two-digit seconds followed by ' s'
5 h 05 min
